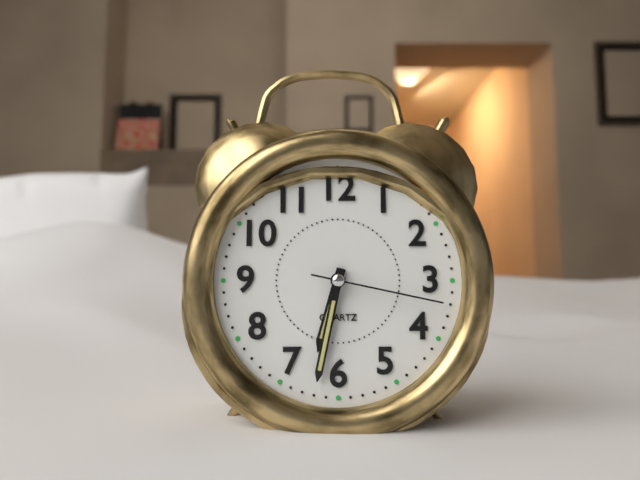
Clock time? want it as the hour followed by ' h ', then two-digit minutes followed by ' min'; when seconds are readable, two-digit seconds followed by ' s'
6 h 32 min 17 s
